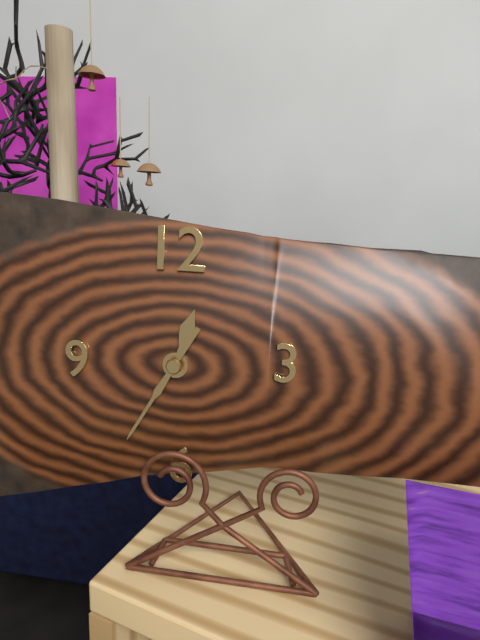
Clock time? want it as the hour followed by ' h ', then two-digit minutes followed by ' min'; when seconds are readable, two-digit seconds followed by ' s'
12 h 35 min
